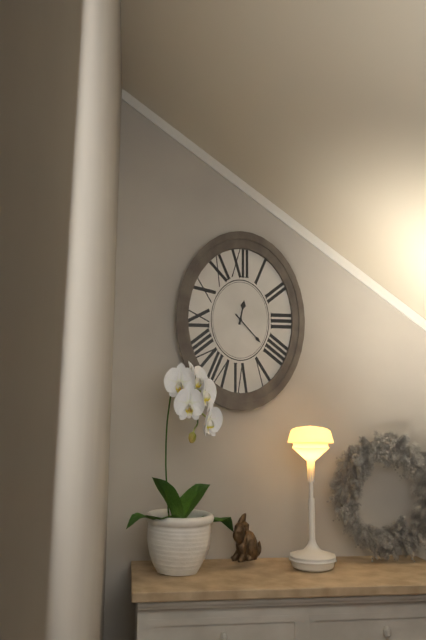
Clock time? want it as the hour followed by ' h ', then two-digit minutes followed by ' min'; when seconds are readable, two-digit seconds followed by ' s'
12 h 23 min
